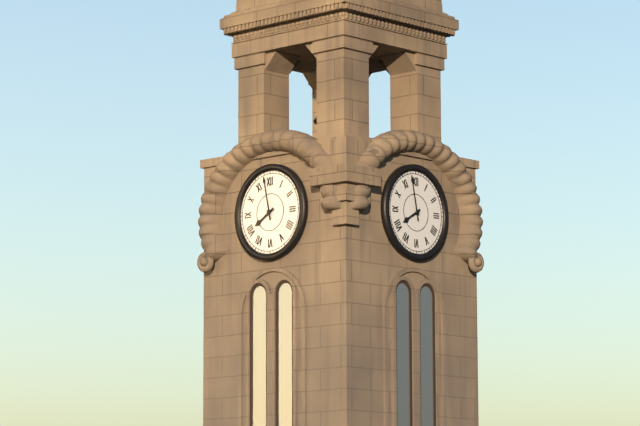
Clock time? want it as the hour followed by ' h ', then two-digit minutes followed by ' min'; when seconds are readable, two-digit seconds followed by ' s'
7 h 58 min
